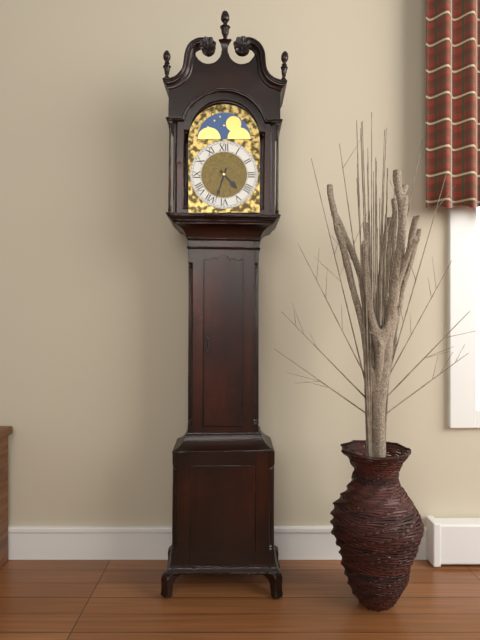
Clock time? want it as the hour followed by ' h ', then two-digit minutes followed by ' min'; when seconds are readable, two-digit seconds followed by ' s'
4 h 33 min
